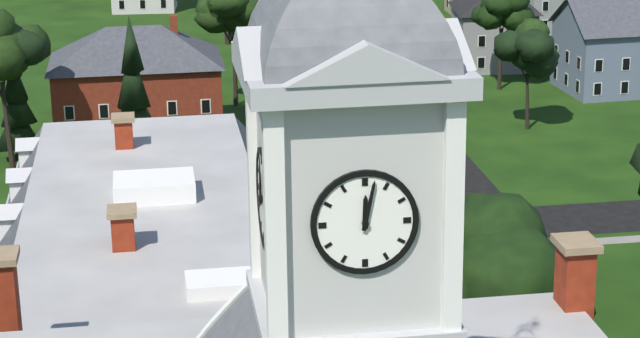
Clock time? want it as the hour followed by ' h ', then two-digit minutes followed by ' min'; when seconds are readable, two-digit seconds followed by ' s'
12 h 02 min
